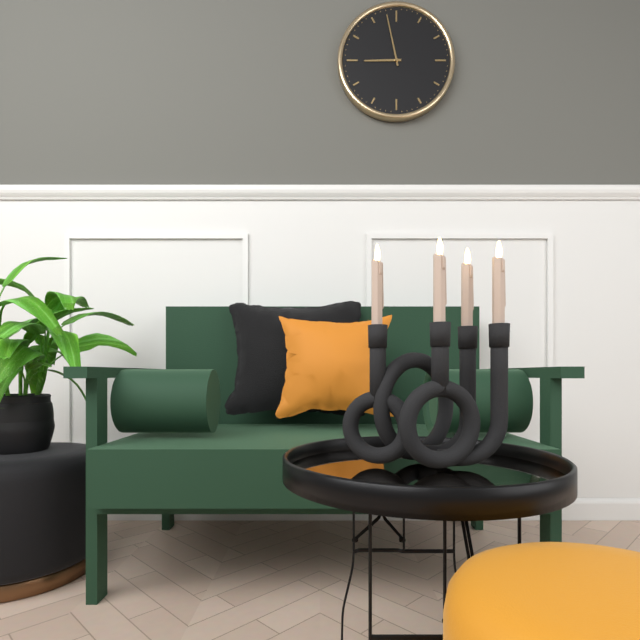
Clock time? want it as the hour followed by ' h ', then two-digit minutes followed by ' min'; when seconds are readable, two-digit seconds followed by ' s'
8 h 58 min
